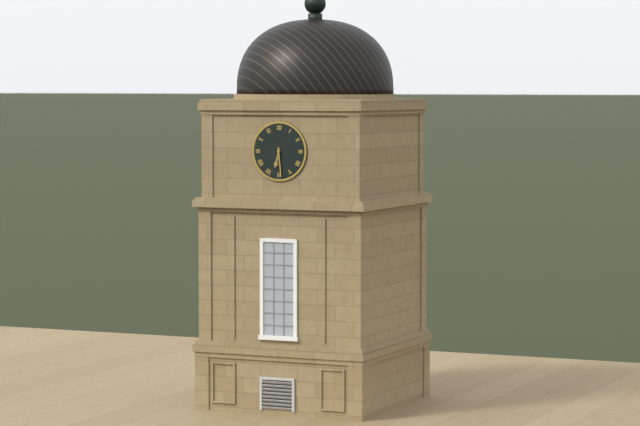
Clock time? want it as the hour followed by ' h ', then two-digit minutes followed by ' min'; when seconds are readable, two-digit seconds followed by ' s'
6 h 29 min
